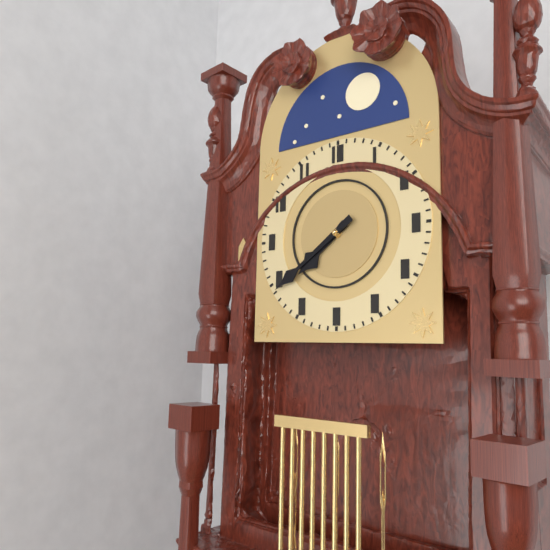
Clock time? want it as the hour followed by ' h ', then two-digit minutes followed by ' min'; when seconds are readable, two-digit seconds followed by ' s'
7 h 39 min
